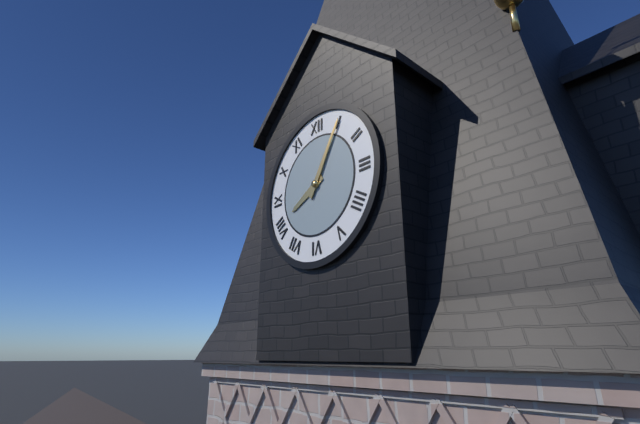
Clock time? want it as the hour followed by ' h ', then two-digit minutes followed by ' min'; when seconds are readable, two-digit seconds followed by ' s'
8 h 05 min
